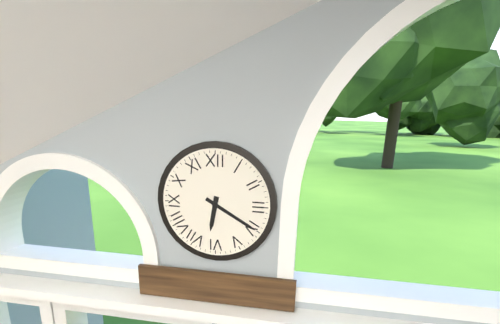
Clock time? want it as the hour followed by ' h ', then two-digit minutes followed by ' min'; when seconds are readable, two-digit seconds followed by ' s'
6 h 20 min
